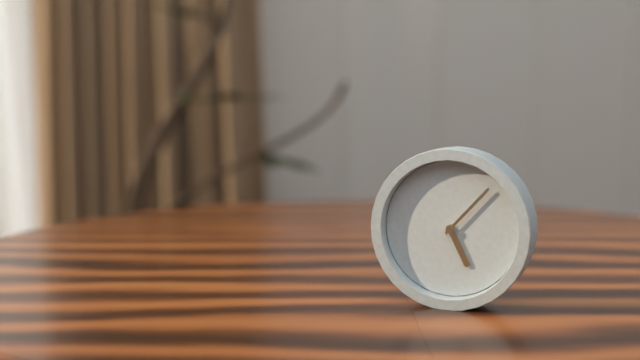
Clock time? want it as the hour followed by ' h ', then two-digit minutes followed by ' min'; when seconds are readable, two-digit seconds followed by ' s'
5 h 07 min
